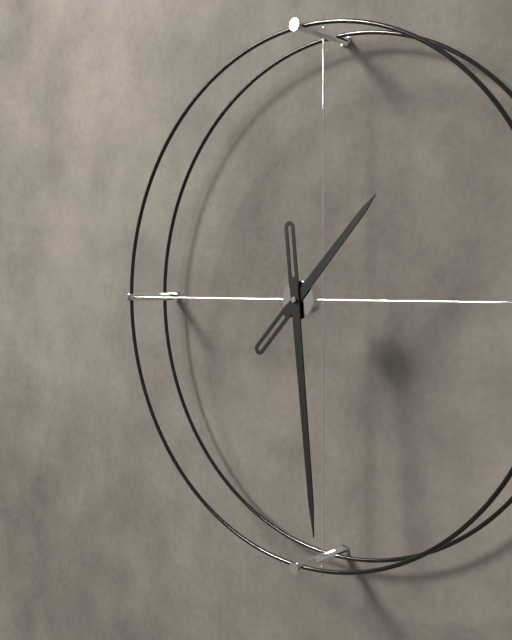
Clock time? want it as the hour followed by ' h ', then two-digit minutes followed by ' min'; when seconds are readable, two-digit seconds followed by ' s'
1 h 29 min
